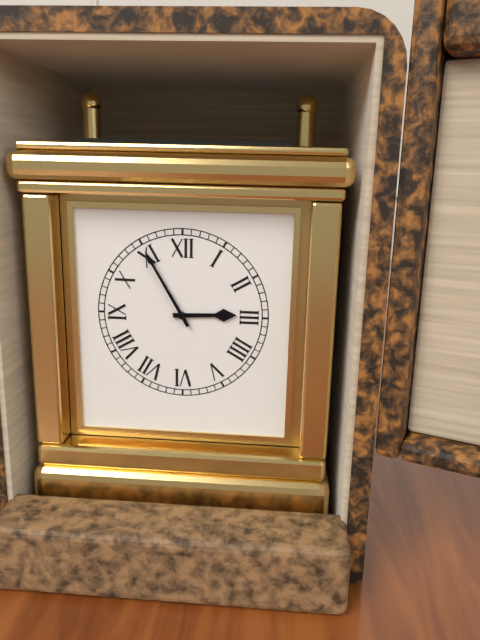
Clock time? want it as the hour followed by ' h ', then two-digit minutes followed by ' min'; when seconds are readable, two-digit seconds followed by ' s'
2 h 55 min
